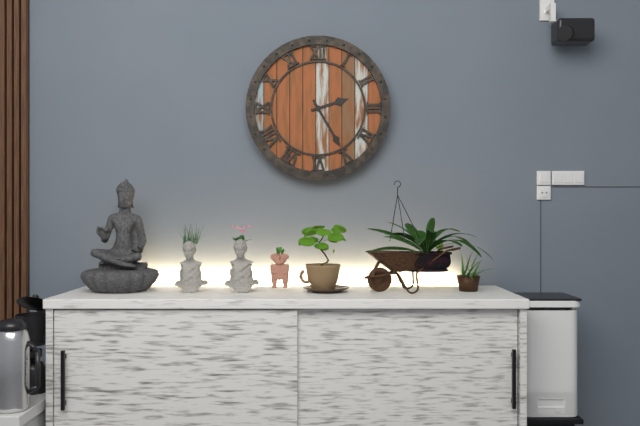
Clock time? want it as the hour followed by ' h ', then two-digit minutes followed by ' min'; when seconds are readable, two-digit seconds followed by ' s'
2 h 25 min
